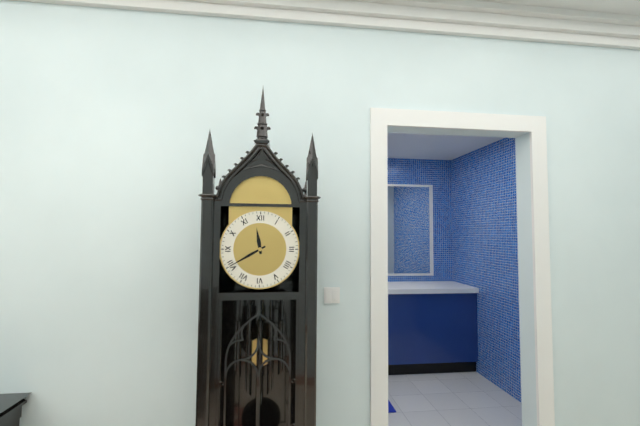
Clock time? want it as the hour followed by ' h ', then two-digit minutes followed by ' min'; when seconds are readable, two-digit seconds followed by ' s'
11 h 40 min
